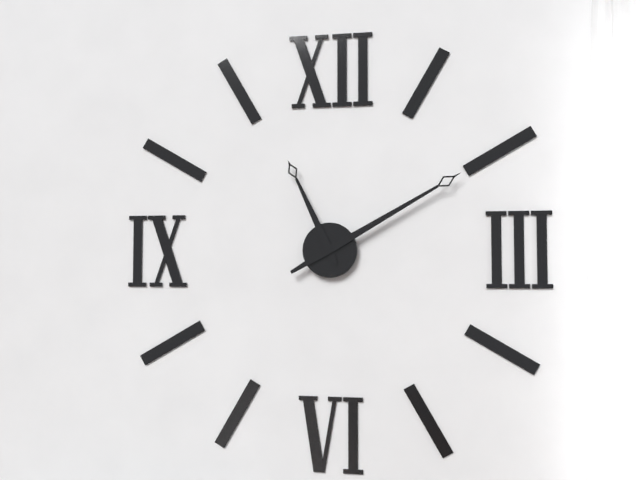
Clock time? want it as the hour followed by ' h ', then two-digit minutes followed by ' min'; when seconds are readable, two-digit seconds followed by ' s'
11 h 10 min
